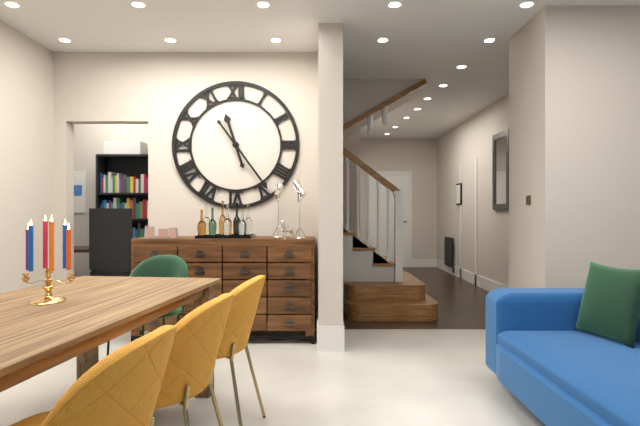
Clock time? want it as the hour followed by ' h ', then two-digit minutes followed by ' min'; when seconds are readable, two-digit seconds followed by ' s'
11 h 24 min
